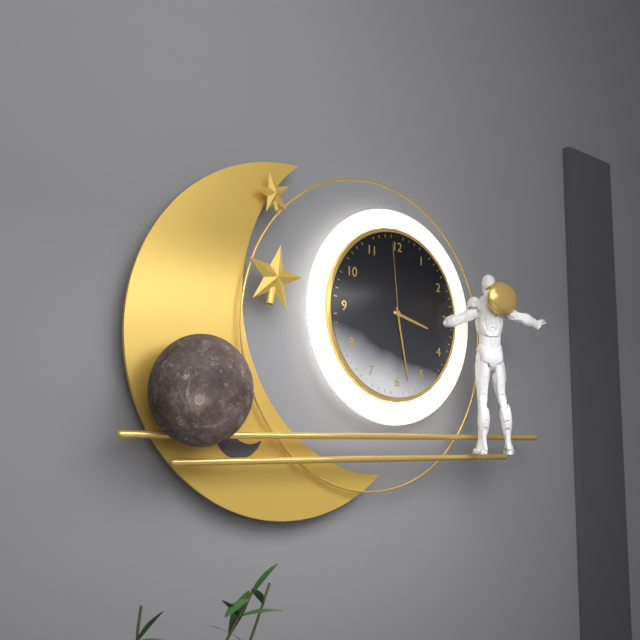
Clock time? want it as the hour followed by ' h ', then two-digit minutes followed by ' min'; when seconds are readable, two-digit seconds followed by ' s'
3 h 28 min 59 s
